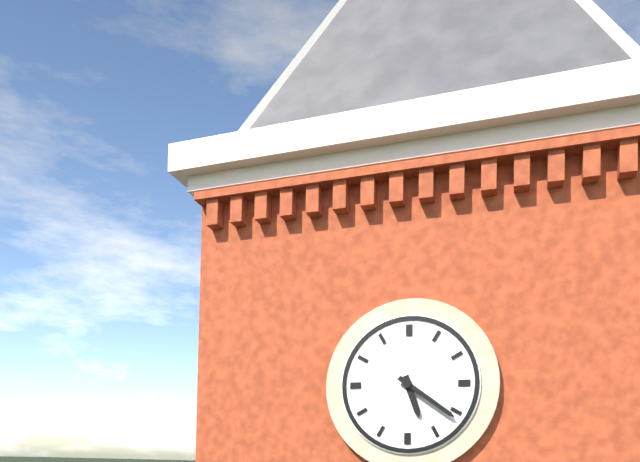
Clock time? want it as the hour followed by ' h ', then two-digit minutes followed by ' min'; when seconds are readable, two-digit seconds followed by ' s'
5 h 21 min
